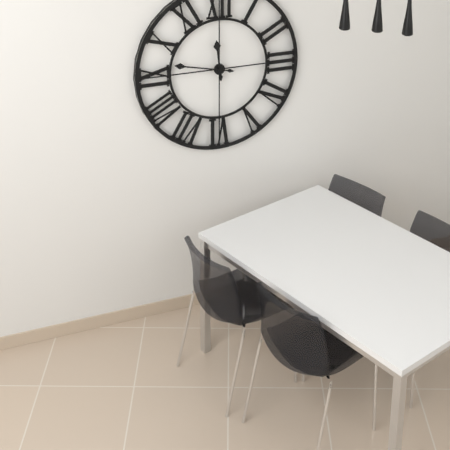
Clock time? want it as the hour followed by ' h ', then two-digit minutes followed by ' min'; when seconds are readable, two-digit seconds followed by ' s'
11 h 47 min
